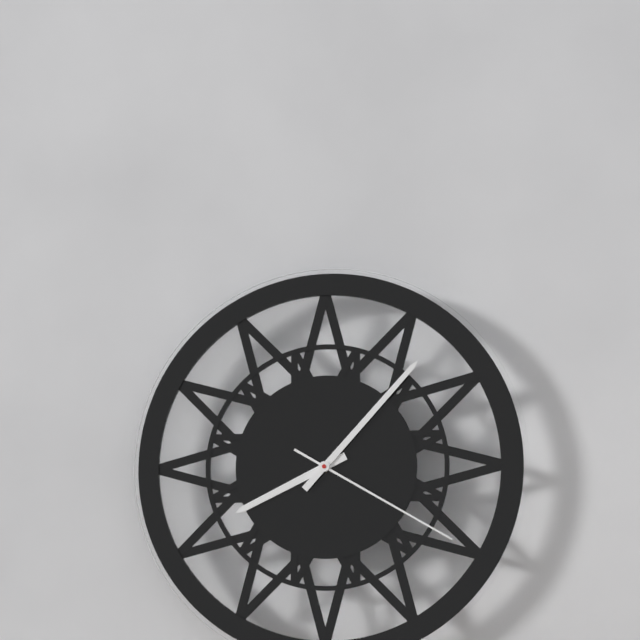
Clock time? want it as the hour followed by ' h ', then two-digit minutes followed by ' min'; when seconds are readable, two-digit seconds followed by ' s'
8 h 07 min 20 s
